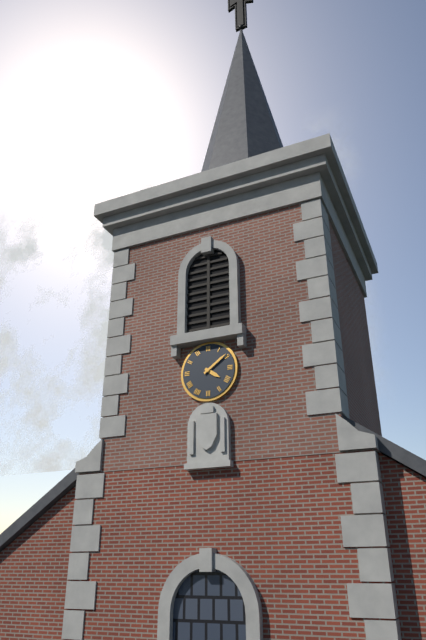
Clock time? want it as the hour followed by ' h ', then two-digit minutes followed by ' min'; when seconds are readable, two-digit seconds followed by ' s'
4 h 09 min
